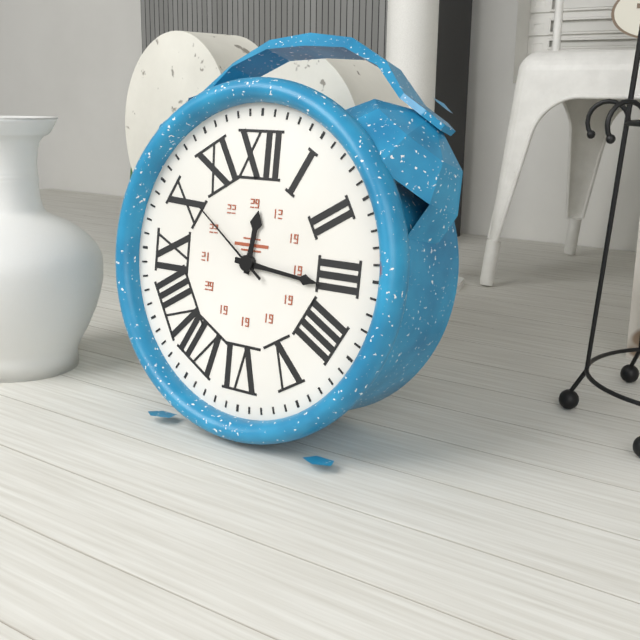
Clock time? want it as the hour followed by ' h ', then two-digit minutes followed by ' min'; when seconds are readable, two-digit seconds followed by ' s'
12 h 16 min 51 s
